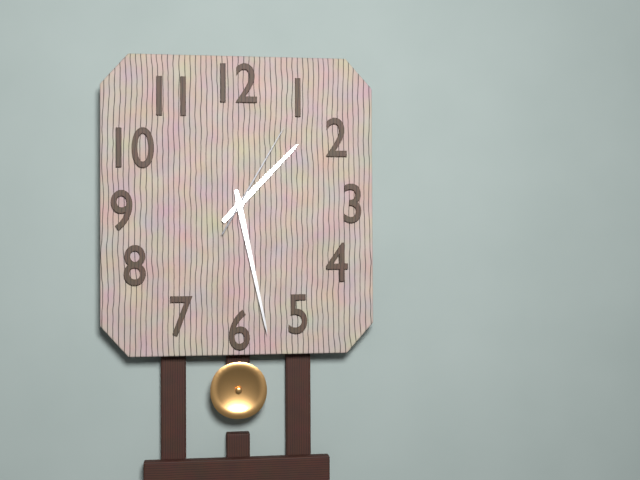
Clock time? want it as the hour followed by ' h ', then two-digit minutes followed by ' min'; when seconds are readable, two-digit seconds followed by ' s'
1 h 28 min 05 s
